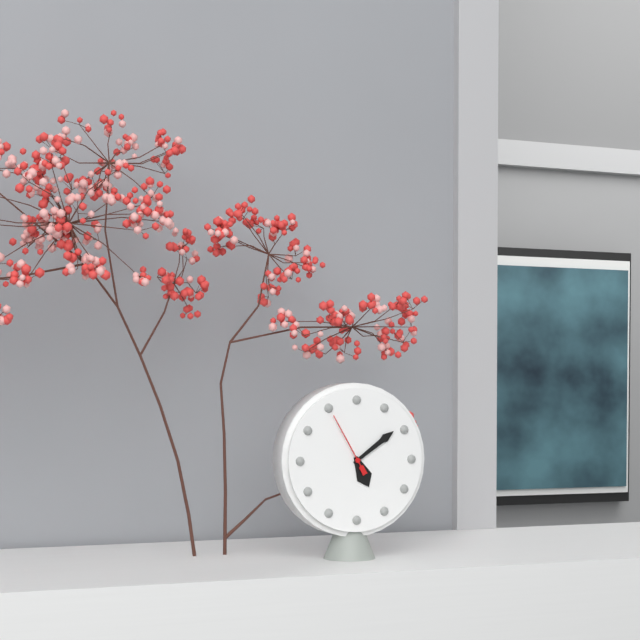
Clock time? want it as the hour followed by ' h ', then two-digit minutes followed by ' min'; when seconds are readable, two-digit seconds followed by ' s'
5 h 09 min 55 s
